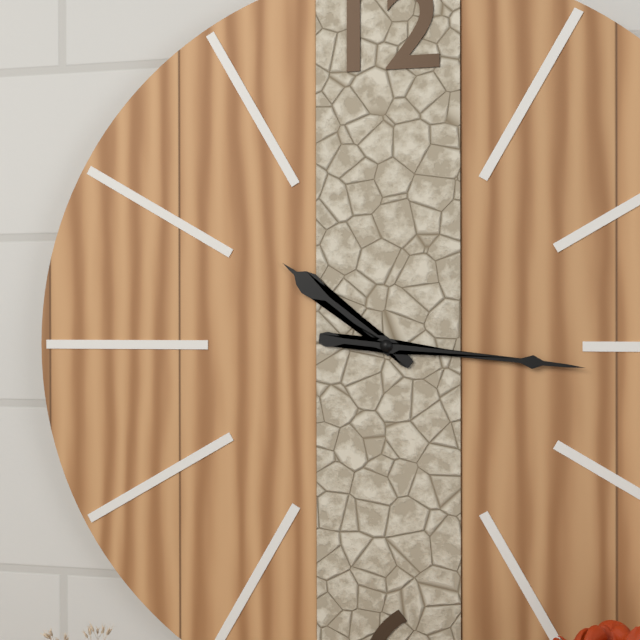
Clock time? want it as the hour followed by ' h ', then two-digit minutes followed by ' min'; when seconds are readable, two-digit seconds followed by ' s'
10 h 16 min
